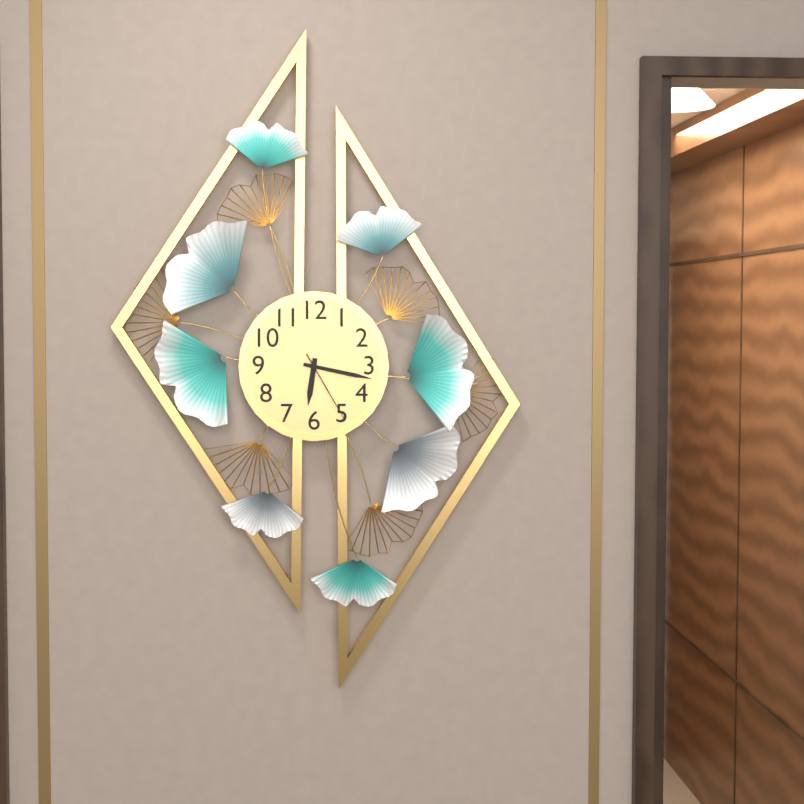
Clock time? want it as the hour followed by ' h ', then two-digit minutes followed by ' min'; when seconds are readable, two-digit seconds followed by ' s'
6 h 17 min 25 s
